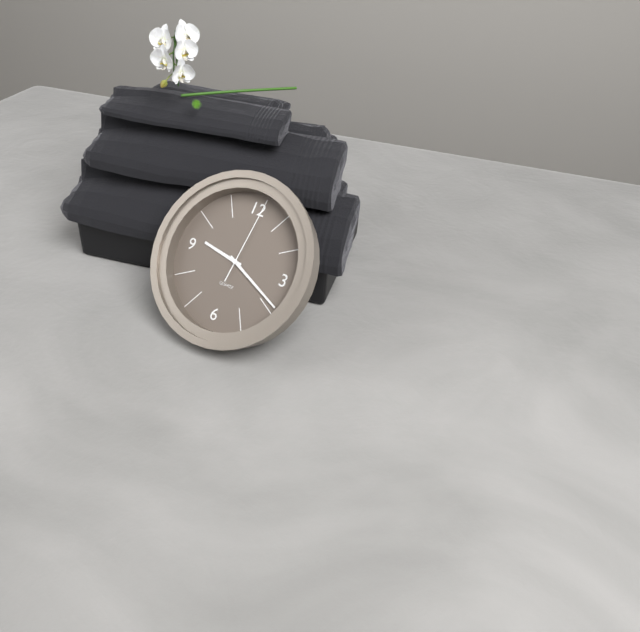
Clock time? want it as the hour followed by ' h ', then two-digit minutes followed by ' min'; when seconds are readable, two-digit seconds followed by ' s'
9 h 19 min 01 s
